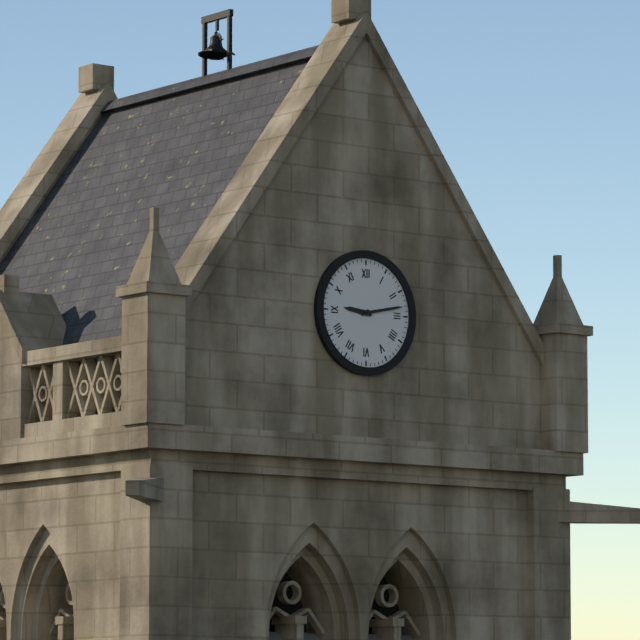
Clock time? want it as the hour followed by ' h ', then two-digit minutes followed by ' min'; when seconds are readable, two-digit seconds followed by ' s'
9 h 13 min
